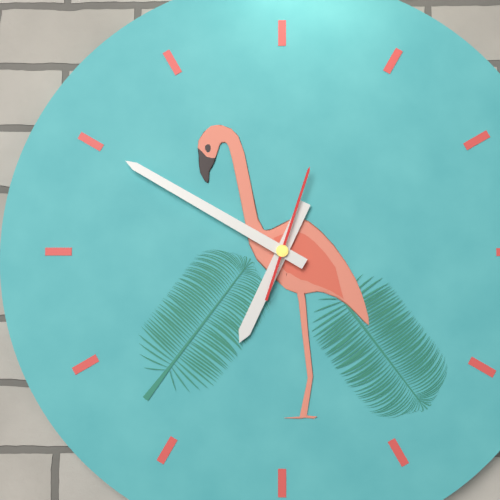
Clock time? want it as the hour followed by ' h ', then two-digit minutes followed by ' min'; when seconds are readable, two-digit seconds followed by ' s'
6 h 50 min 03 s
